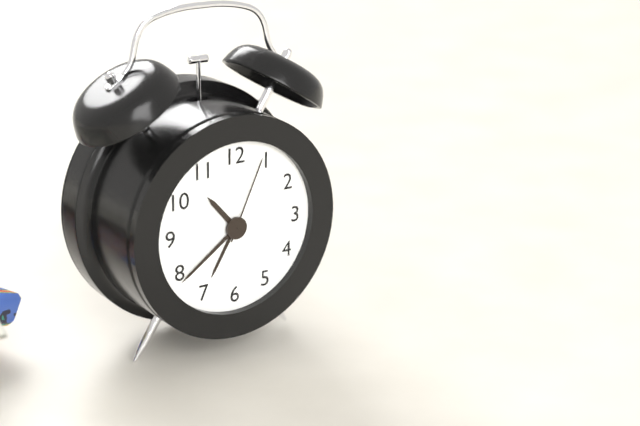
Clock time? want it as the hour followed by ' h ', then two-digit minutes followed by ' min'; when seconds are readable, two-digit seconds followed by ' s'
10 h 39 min 04 s
